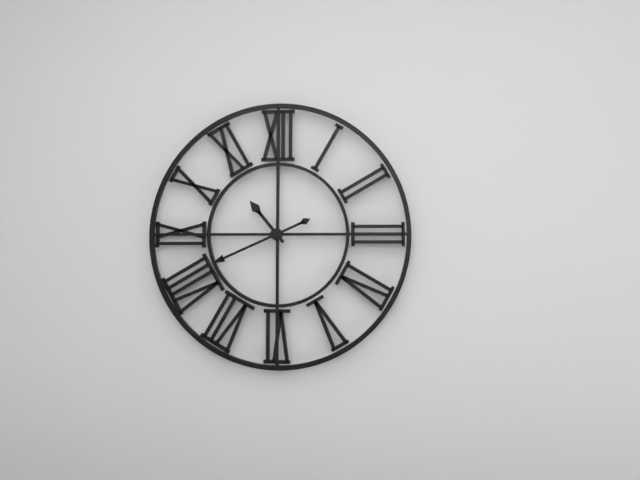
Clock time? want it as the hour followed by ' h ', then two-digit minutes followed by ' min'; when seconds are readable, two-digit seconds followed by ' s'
10 h 41 min
